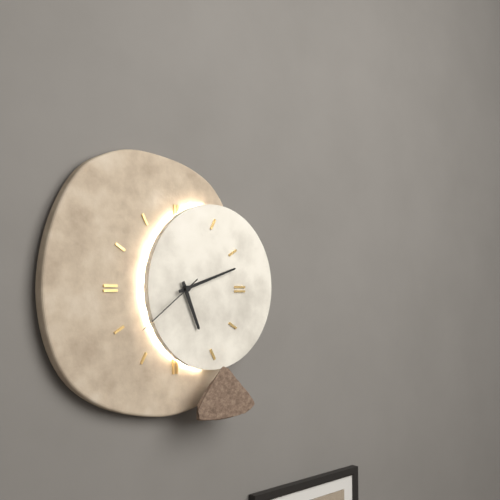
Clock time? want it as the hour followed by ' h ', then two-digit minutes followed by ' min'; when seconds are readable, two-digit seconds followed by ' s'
5 h 12 min 39 s
